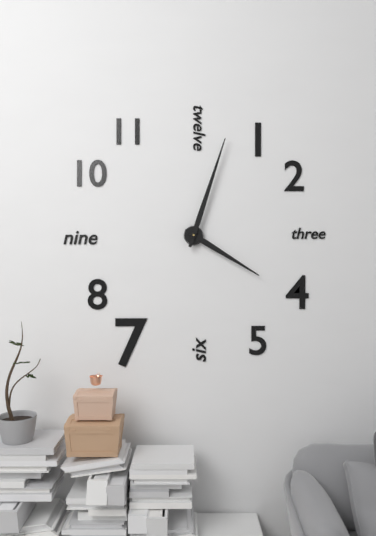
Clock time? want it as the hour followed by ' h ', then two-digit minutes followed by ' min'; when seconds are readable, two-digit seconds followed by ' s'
4 h 03 min
